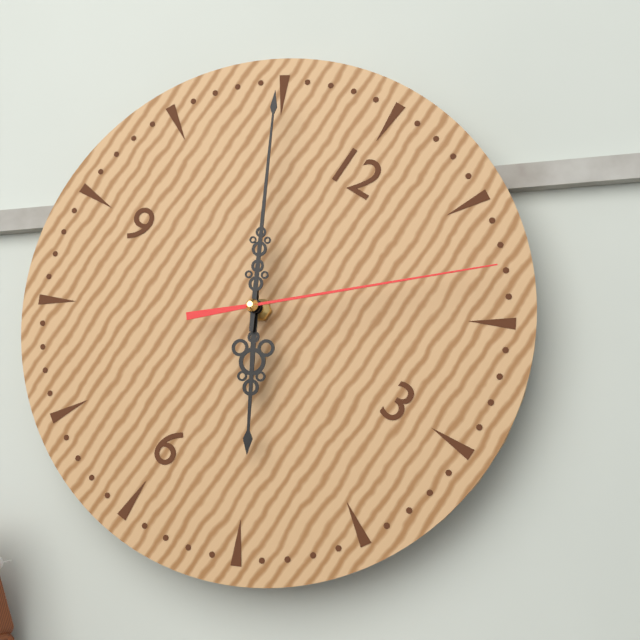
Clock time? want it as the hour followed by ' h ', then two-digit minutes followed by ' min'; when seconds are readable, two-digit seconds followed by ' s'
4 h 55 min 08 s
